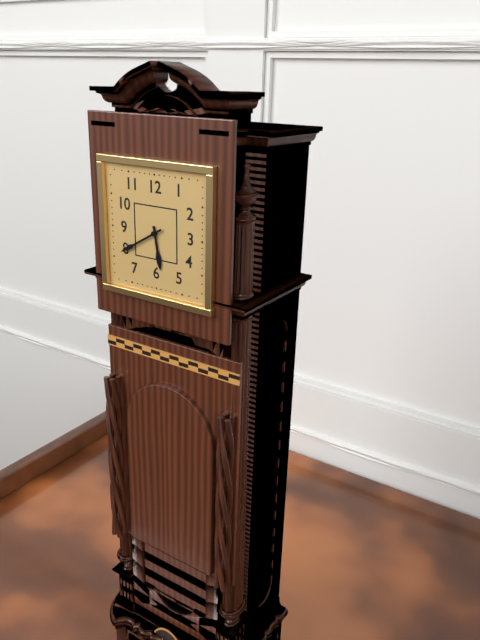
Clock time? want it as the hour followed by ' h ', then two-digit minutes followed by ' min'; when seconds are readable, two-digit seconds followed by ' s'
5 h 40 min
